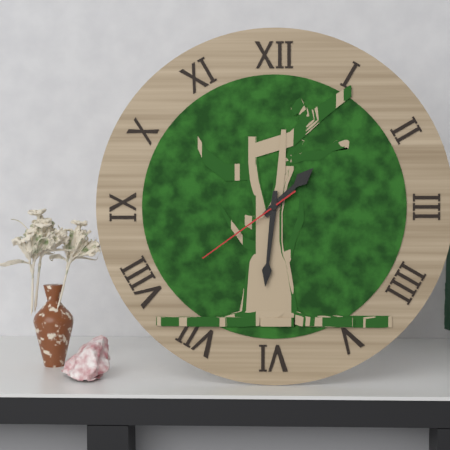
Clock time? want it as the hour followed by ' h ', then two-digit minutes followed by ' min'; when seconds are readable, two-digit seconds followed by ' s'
1 h 31 min 39 s
